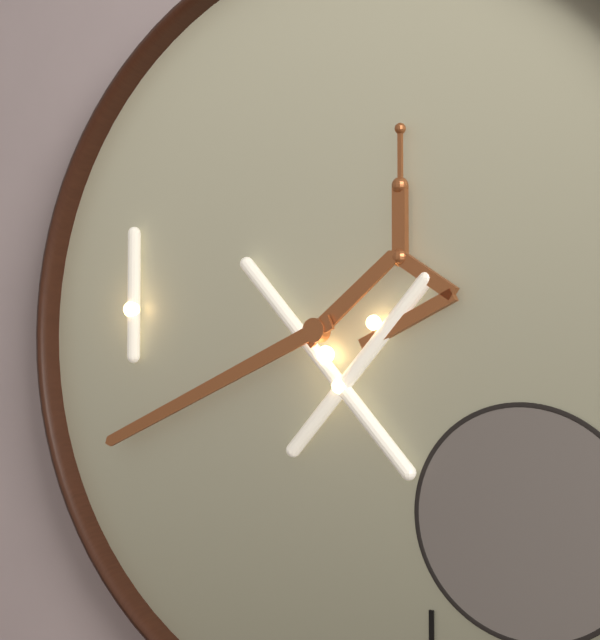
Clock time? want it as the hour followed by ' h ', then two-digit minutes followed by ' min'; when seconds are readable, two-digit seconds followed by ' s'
1 h 41 min
